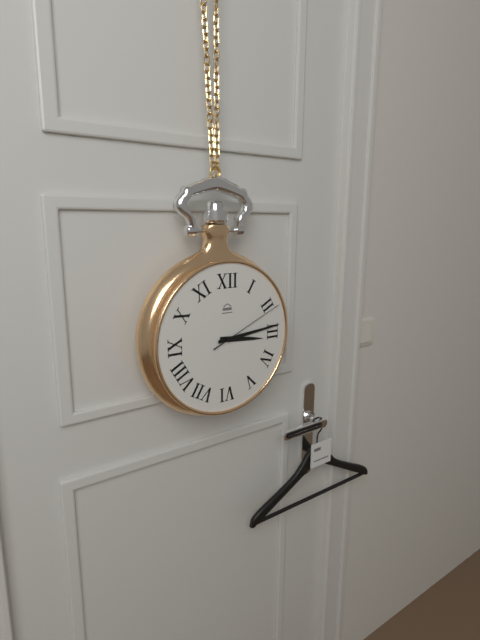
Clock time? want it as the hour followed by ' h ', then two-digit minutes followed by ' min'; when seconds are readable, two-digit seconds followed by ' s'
3 h 14 min 11 s
